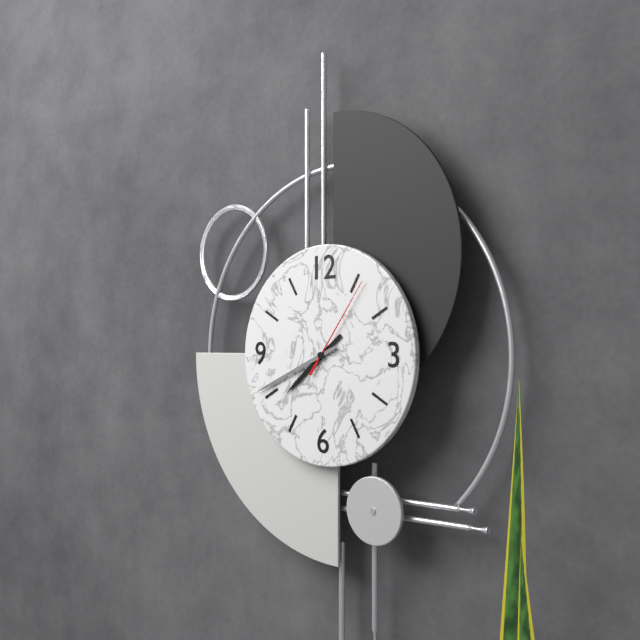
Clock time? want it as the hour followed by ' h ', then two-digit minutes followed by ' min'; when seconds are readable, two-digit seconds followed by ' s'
7 h 41 min 06 s
